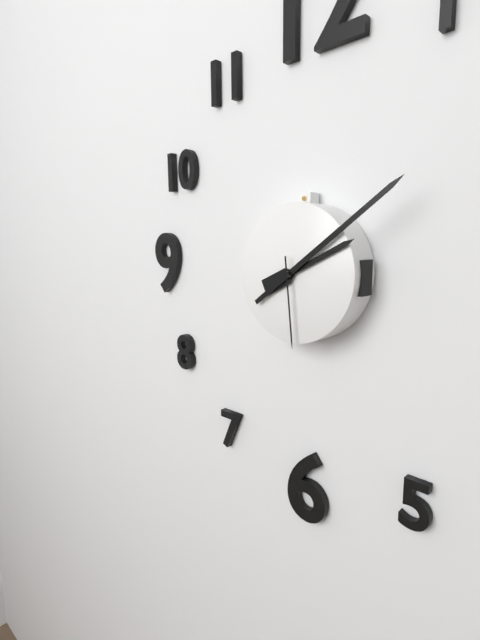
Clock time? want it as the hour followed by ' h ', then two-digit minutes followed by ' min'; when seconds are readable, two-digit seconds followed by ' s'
2 h 09 min 29 s
